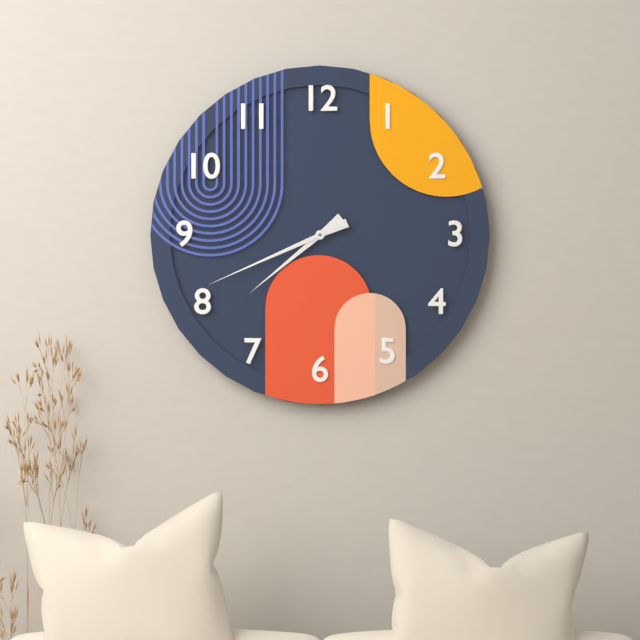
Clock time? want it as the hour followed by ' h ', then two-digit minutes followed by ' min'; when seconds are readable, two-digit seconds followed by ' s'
7 h 41 min
